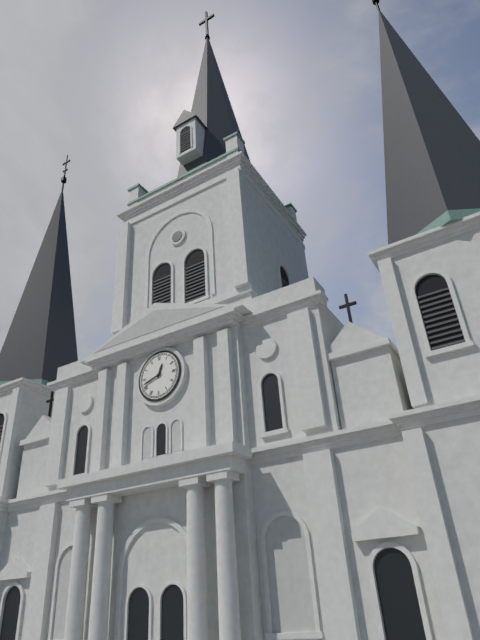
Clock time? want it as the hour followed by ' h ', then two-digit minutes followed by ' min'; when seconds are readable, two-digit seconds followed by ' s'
12 h 42 min
